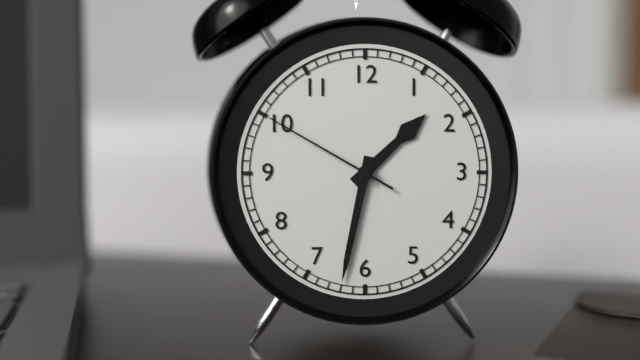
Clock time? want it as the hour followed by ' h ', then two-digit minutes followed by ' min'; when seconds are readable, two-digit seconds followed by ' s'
1 h 32 min 50 s
